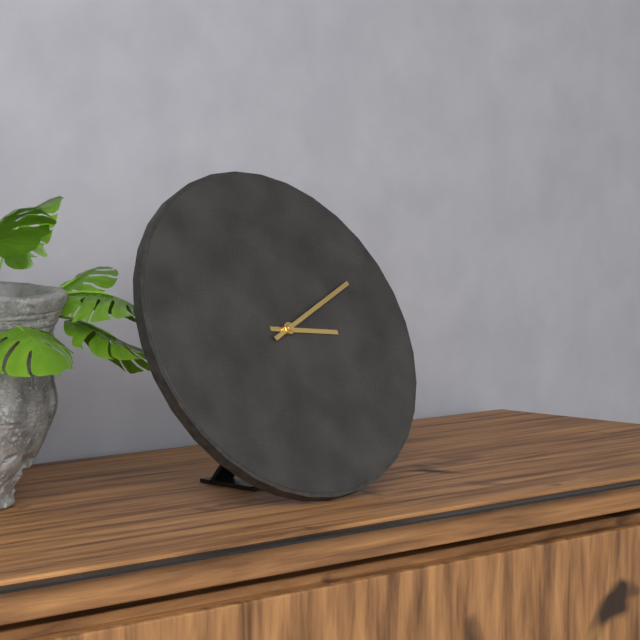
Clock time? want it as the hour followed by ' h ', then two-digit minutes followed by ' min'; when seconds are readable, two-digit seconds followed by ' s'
3 h 11 min
